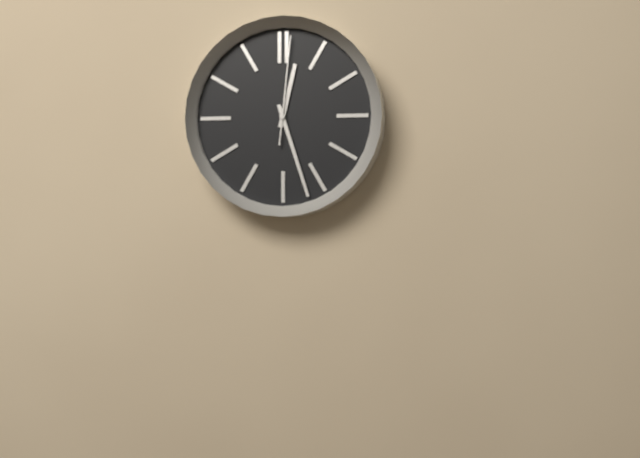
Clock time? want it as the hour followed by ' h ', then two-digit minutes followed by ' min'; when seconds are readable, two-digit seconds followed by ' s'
12 h 27 min 01 s
